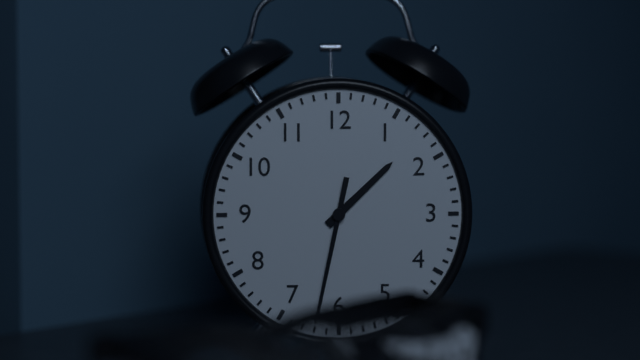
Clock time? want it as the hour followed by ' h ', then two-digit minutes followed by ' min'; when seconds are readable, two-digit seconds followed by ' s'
1 h 32 min
